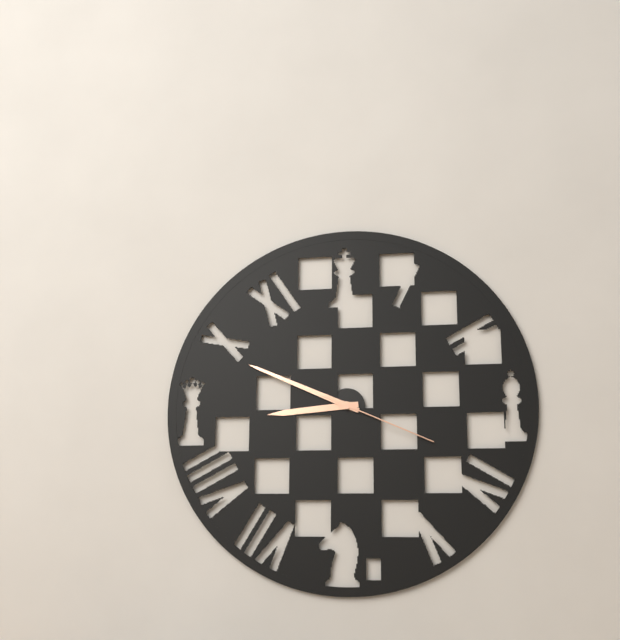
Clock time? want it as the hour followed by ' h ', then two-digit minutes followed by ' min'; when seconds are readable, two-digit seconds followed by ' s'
8 h 49 min 19 s
